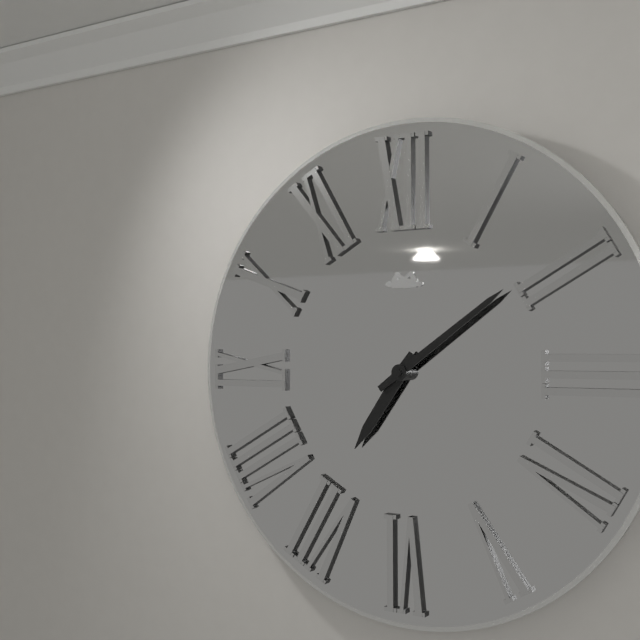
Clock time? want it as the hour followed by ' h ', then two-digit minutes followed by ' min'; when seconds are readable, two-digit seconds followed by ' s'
7 h 09 min
